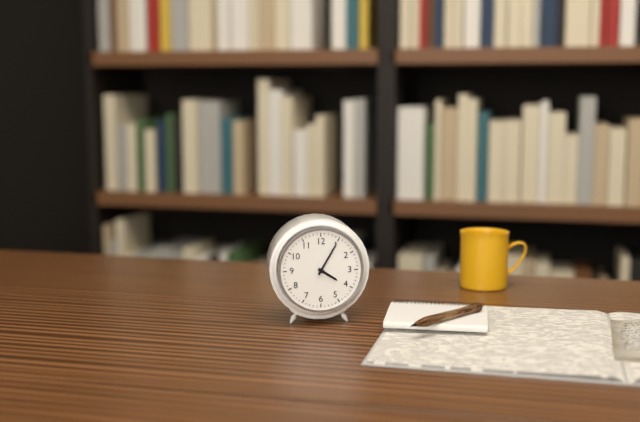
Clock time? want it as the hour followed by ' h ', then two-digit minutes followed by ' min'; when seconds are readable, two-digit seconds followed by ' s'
4 h 05 min
